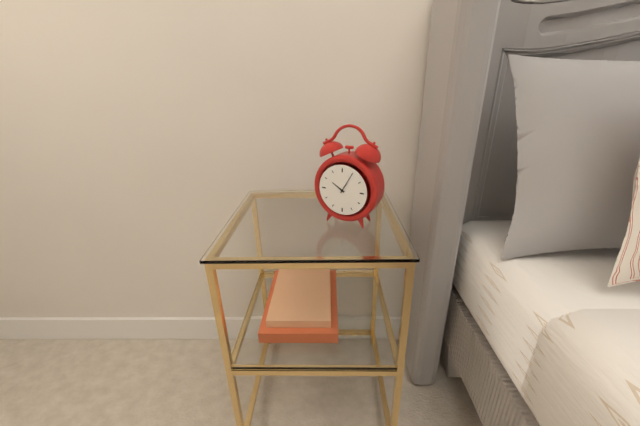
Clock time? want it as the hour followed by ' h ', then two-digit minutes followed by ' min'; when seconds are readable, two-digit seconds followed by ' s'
10 h 05 min
